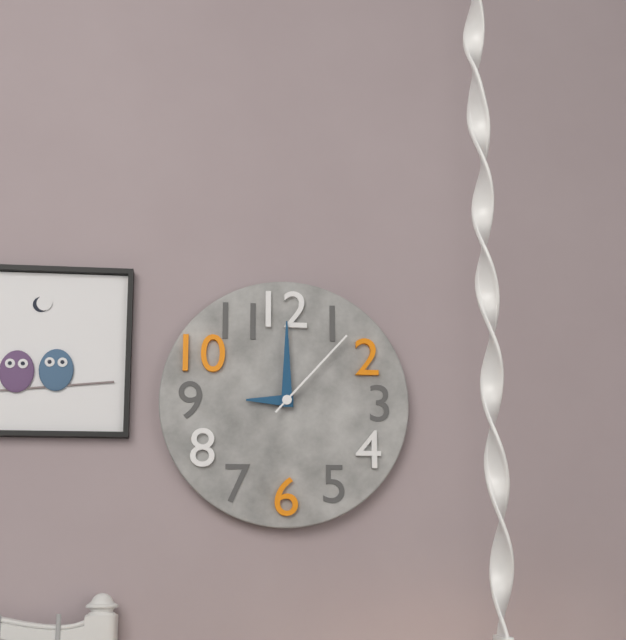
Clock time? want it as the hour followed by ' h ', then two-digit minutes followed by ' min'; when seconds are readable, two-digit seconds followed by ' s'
9 h 00 min 07 s
